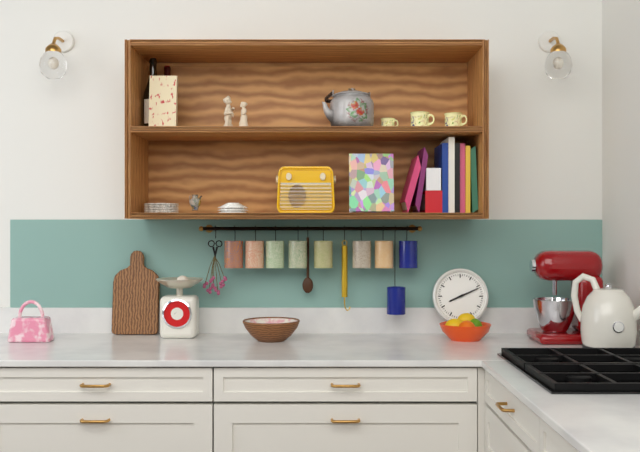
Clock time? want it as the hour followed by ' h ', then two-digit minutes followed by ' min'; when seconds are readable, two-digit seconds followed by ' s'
8 h 11 min
